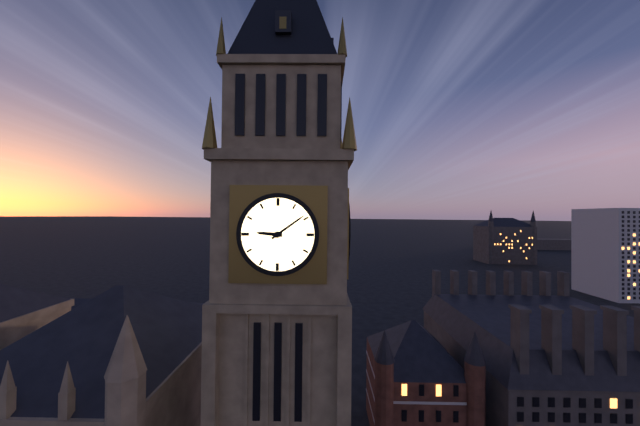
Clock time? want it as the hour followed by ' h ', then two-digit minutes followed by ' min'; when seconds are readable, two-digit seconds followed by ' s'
9 h 09 min
